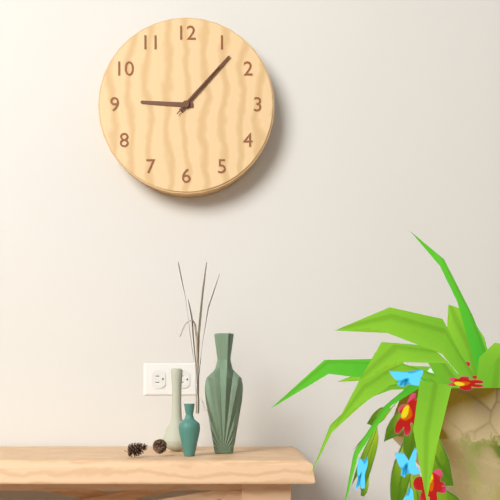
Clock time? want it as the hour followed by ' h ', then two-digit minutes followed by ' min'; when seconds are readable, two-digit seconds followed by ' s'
9 h 07 min 07 s
